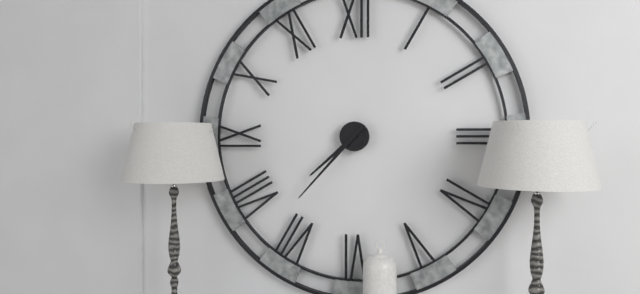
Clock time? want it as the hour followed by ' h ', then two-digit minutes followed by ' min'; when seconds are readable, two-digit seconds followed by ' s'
7 h 37 min
